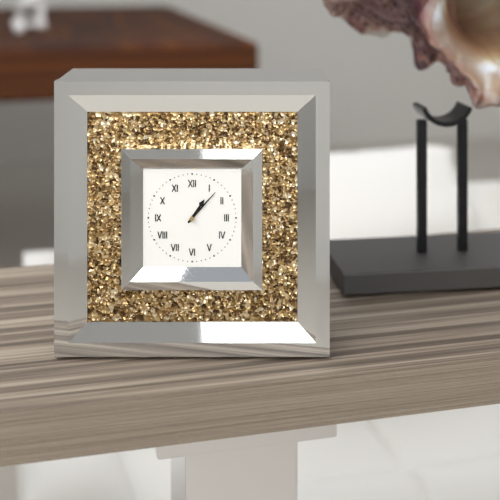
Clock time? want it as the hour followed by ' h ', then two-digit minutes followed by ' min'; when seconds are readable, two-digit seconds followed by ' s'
1 h 07 min
